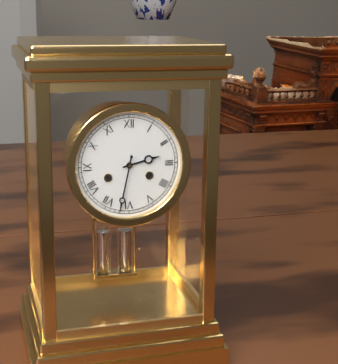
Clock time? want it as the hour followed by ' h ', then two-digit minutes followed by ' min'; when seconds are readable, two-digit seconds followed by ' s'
2 h 32 min
